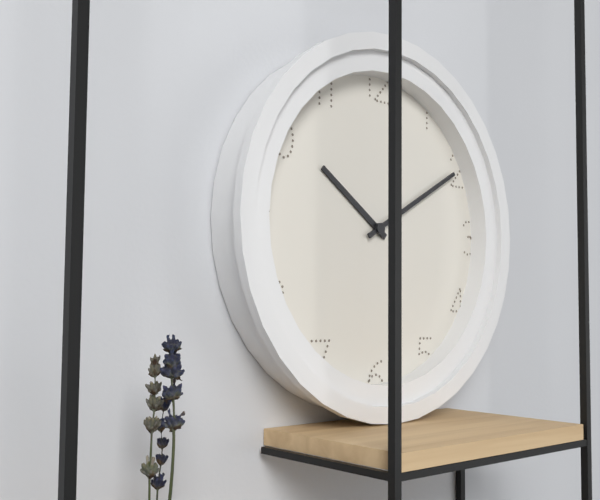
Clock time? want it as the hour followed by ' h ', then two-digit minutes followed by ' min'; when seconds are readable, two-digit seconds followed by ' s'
10 h 10 min
